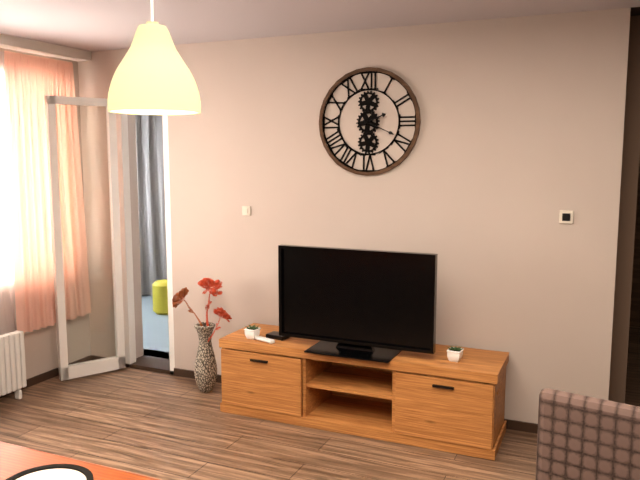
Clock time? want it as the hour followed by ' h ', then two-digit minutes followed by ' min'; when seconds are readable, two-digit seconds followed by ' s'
2 h 19 min
